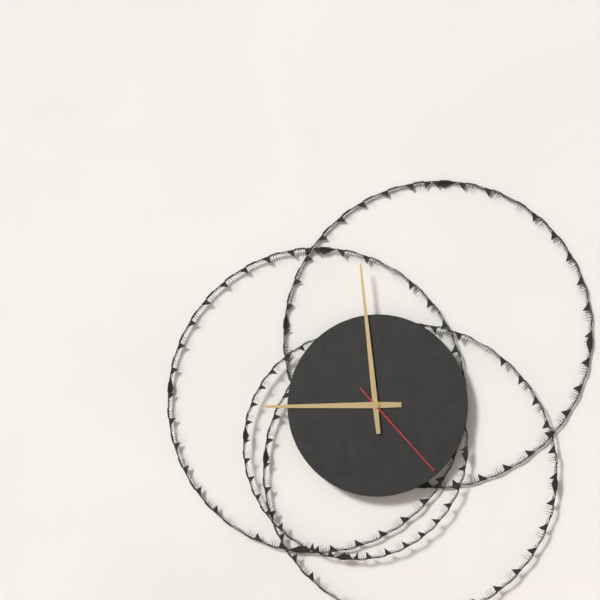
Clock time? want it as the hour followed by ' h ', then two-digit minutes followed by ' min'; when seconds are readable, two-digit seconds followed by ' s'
8 h 59 min 23 s
